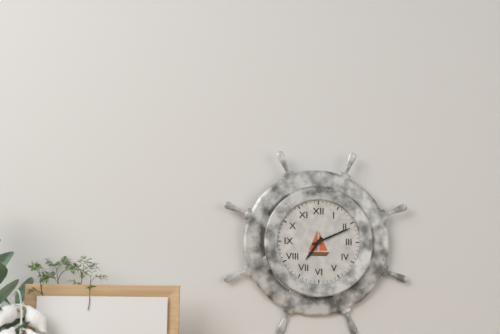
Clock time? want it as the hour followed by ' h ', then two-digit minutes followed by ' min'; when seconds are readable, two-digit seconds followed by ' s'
7 h 11 min
